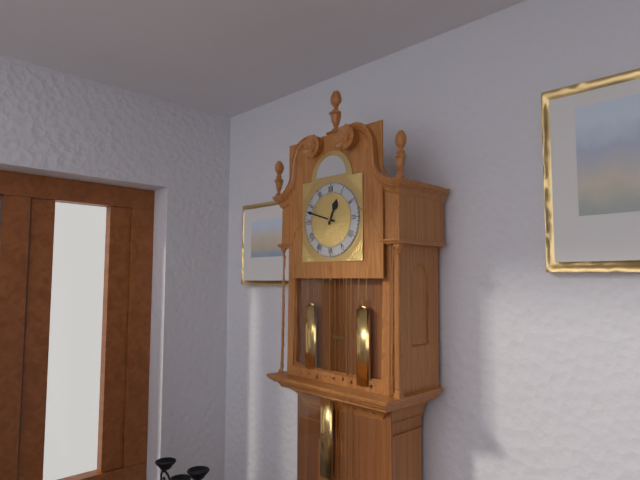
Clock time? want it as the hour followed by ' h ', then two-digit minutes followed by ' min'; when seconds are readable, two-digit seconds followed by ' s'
12 h 48 min
